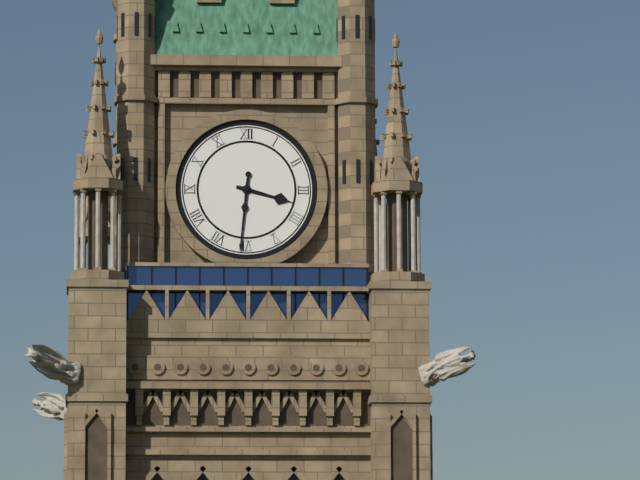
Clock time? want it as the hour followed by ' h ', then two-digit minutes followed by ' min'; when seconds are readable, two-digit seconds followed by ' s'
3 h 31 min
